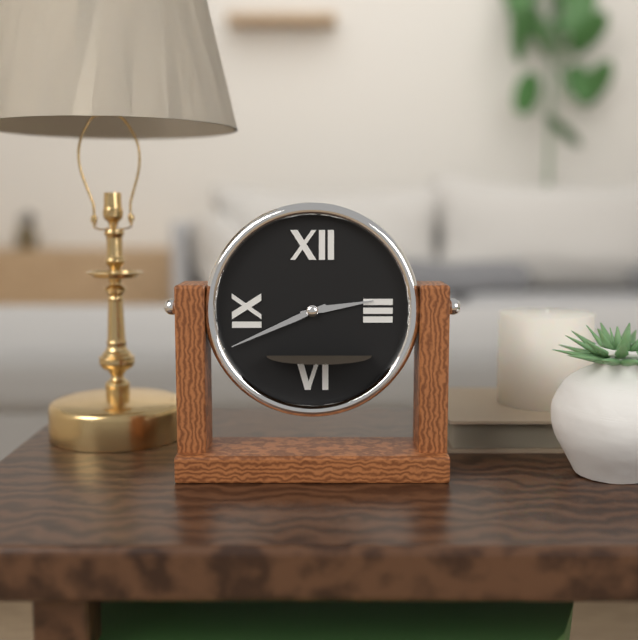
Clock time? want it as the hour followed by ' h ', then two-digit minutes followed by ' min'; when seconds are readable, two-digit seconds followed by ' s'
2 h 41 min
